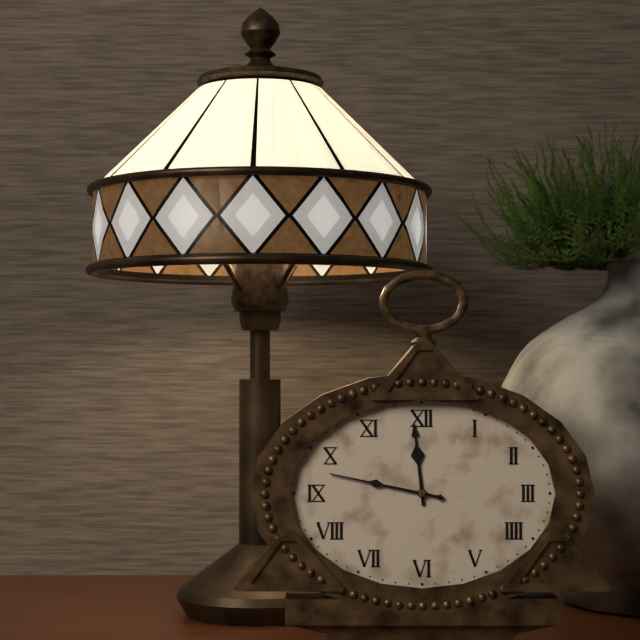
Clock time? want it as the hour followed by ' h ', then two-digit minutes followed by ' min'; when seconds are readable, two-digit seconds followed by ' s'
11 h 47 min
